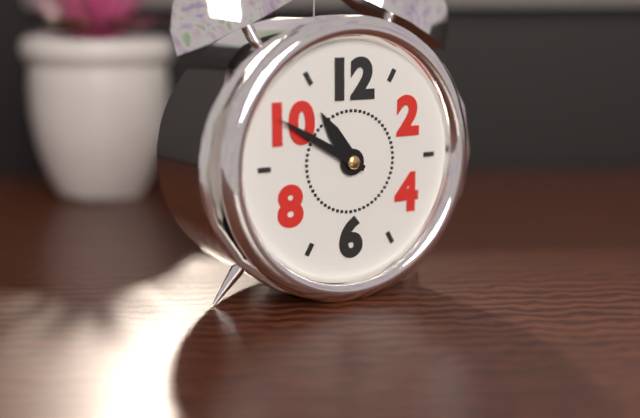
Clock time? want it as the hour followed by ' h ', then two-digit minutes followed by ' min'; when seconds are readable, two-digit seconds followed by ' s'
10 h 50 min
